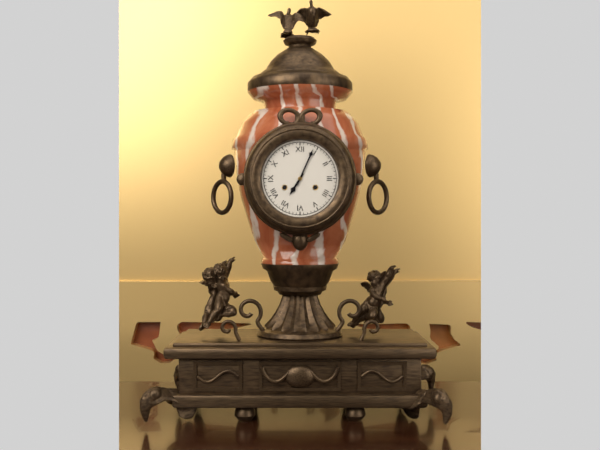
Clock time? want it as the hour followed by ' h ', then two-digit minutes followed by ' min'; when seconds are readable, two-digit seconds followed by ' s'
7 h 04 min
